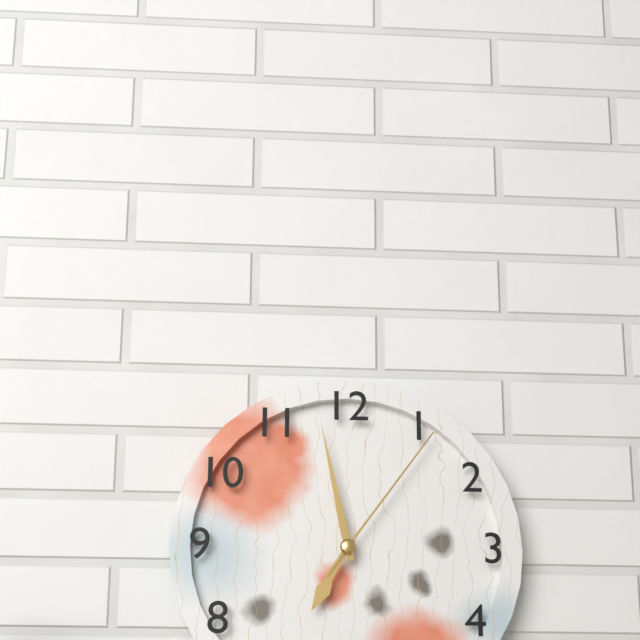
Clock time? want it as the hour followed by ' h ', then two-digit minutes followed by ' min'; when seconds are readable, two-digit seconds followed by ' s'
6 h 58 min 06 s
